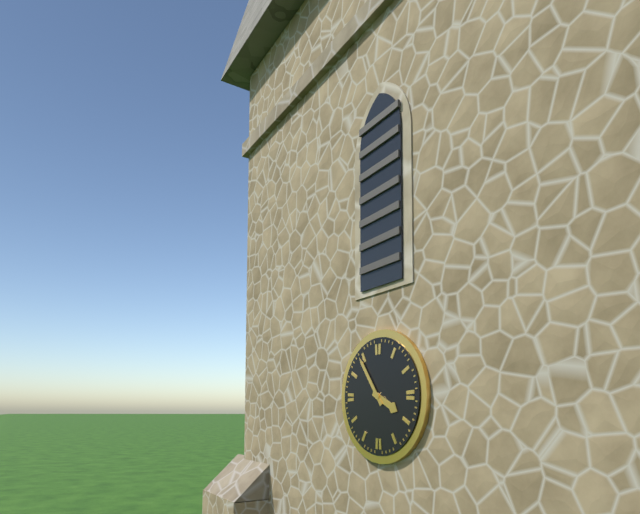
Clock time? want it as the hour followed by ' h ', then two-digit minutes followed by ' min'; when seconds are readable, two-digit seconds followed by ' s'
3 h 54 min
